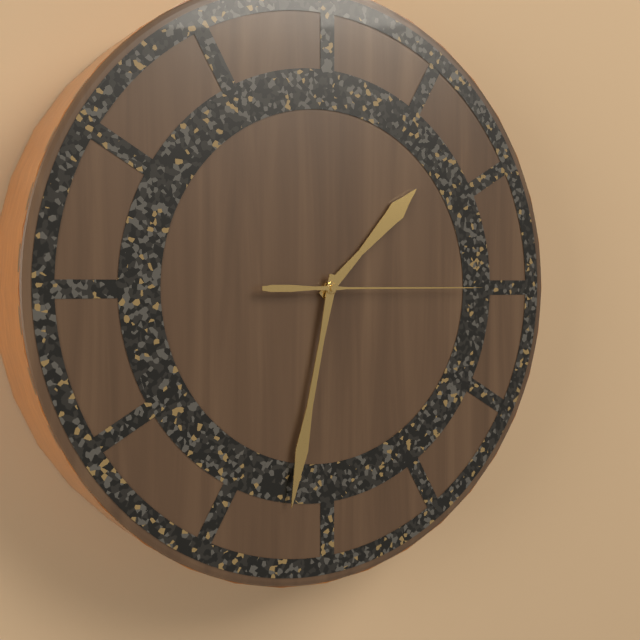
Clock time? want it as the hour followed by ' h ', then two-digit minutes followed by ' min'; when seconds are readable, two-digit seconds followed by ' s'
1 h 32 min 15 s
